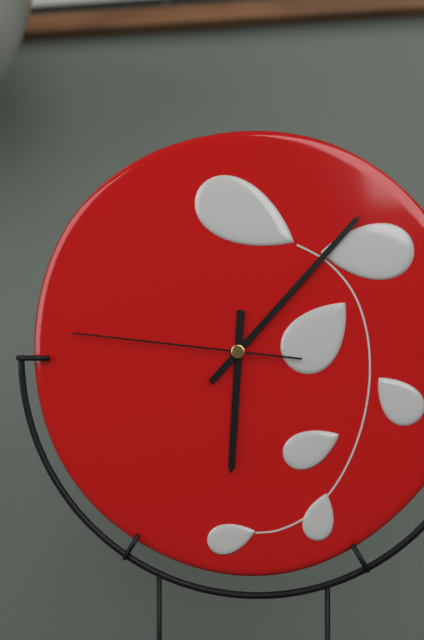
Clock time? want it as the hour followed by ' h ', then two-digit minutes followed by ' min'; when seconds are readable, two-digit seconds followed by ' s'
6 h 07 min 46 s
